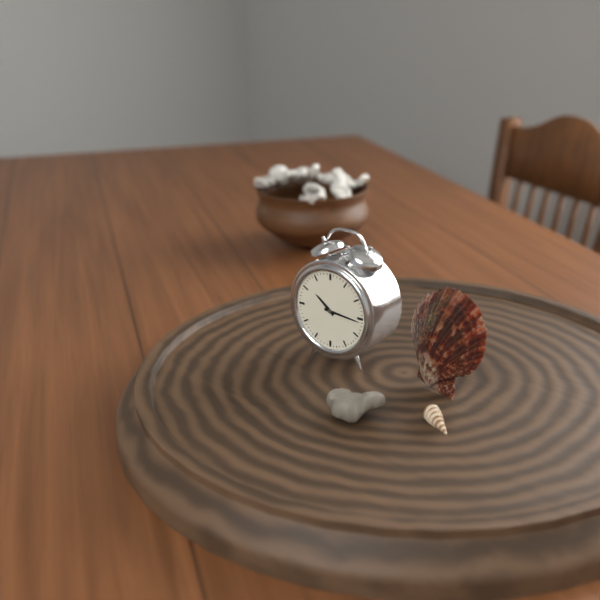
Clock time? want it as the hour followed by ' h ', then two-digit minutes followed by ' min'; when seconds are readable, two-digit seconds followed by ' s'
10 h 16 min
